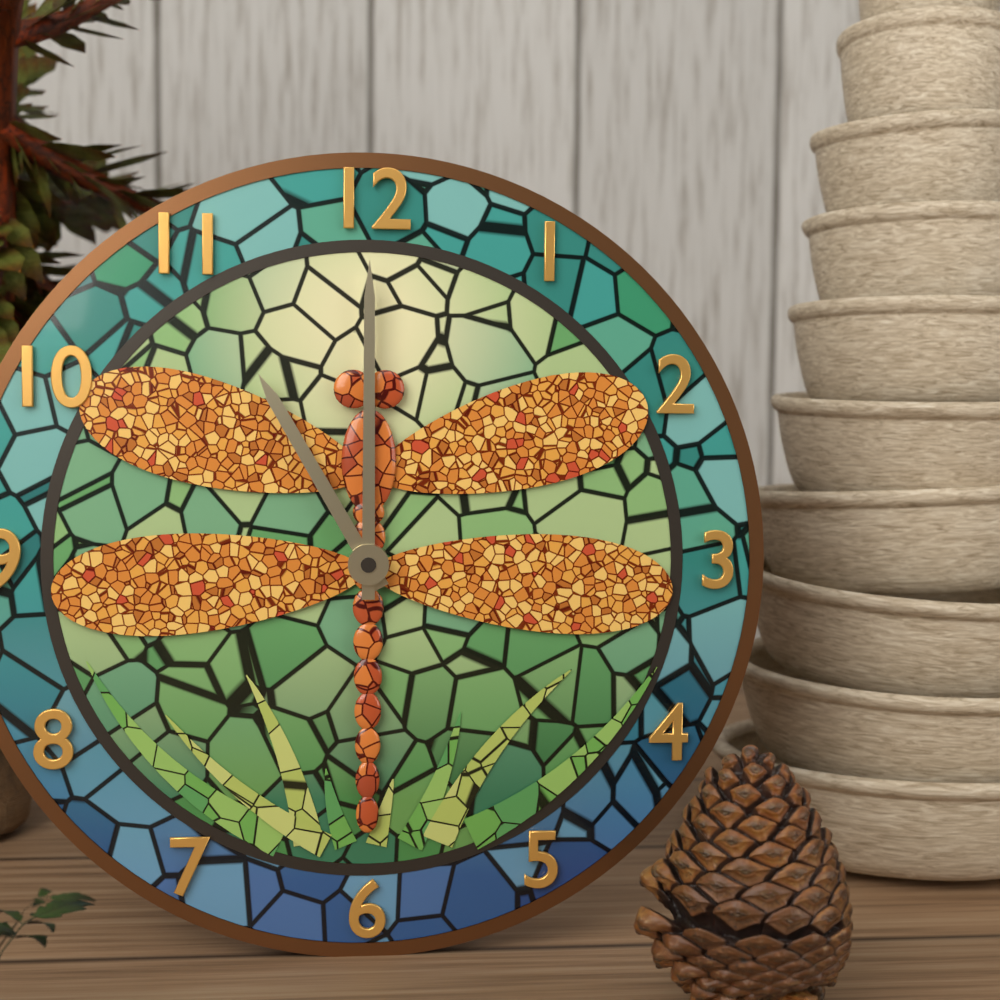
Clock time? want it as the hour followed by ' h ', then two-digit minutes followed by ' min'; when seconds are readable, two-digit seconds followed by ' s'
11 h 00 min
